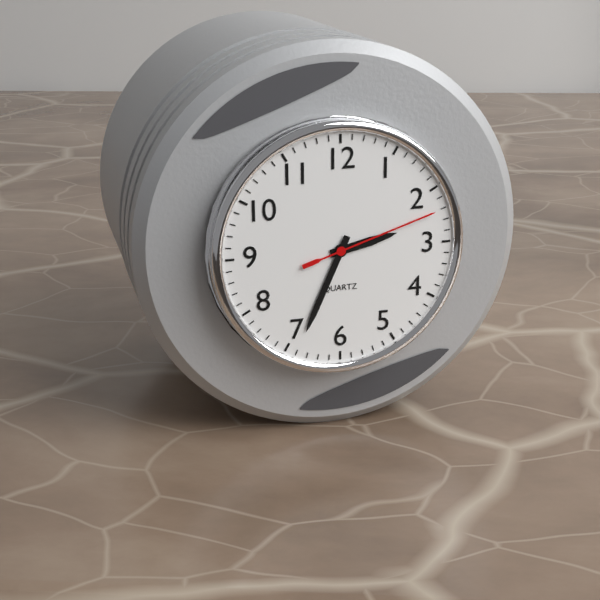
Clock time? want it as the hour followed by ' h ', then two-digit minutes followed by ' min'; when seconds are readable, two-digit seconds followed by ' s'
2 h 34 min 12 s
